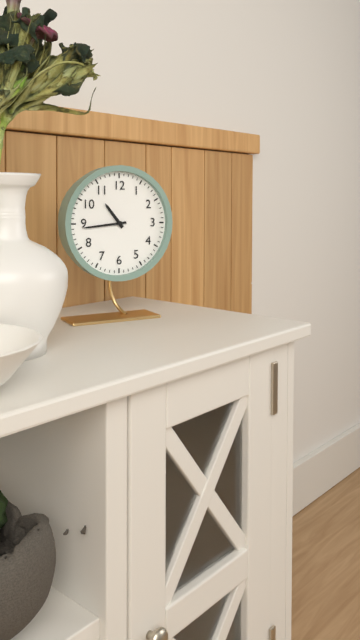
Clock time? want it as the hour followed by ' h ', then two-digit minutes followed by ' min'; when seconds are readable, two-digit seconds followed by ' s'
10 h 44 min
